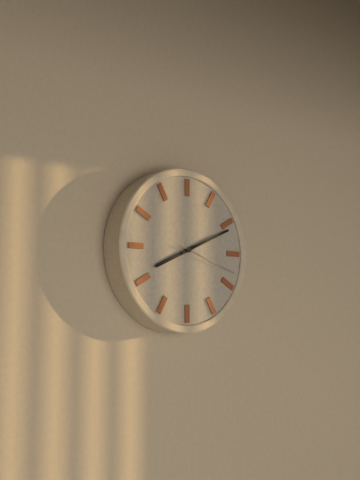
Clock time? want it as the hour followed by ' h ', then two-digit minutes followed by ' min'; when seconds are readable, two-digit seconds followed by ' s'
8 h 11 min 18 s
